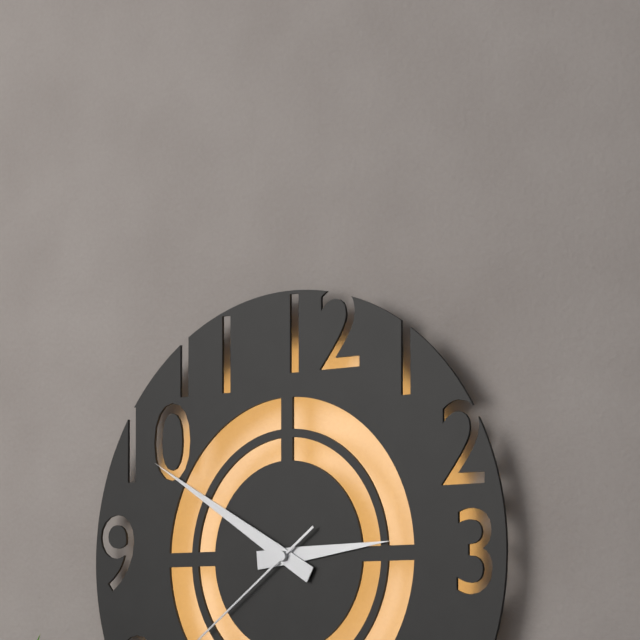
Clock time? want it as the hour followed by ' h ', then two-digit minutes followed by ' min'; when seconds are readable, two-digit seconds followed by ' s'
2 h 50 min
